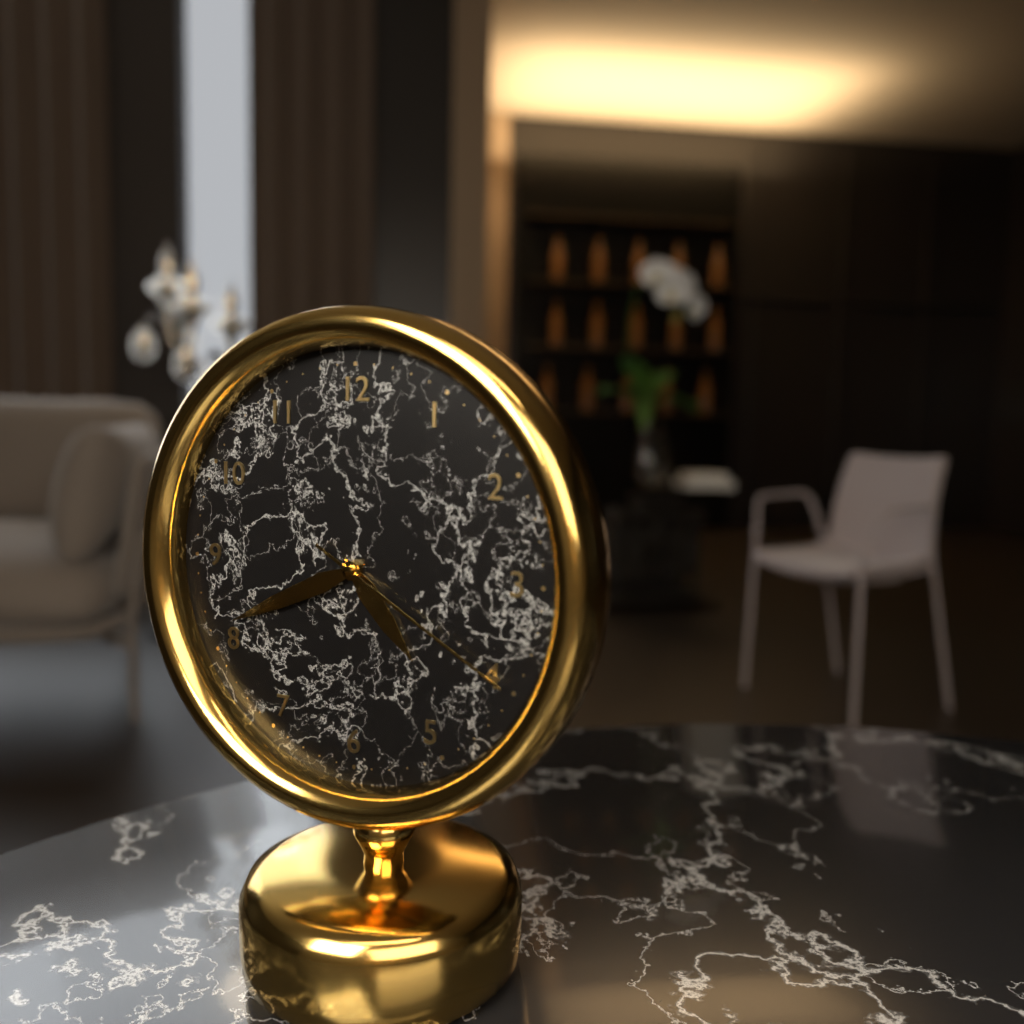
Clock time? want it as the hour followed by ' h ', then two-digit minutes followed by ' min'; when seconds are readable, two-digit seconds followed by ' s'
4 h 41 min 20 s
